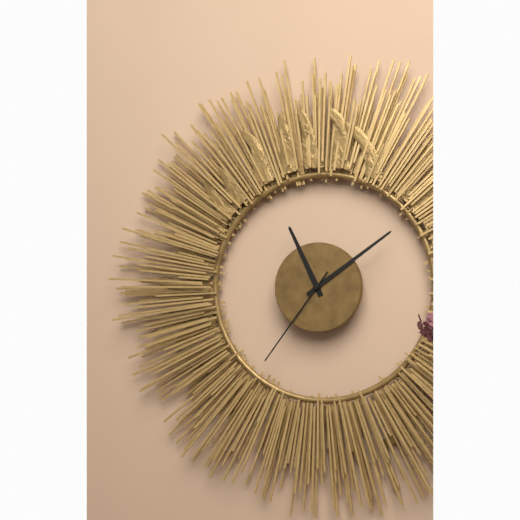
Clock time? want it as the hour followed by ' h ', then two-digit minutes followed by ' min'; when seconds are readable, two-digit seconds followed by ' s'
11 h 09 min 36 s
